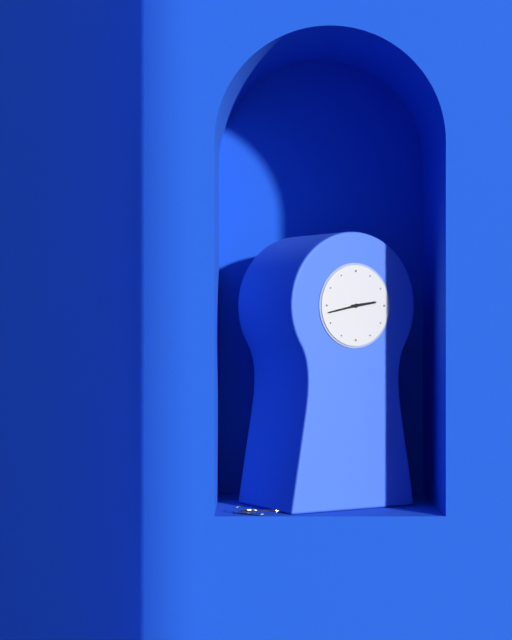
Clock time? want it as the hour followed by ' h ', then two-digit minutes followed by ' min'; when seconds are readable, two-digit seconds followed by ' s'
2 h 43 min
